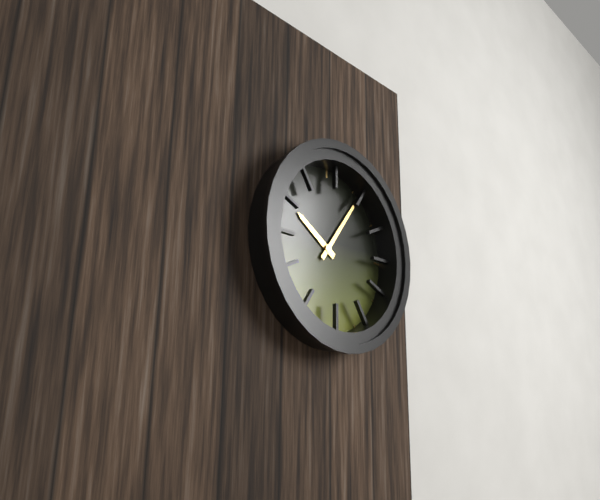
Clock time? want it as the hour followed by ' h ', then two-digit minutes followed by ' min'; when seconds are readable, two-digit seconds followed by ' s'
10 h 06 min
